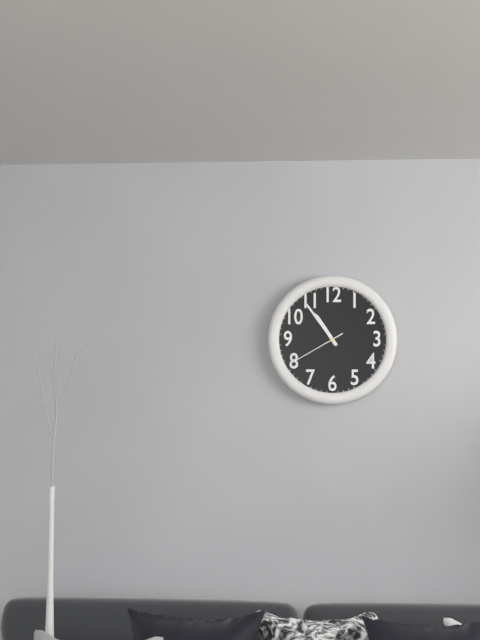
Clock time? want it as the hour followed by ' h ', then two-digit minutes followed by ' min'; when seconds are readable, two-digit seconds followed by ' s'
10 h 54 min 40 s
